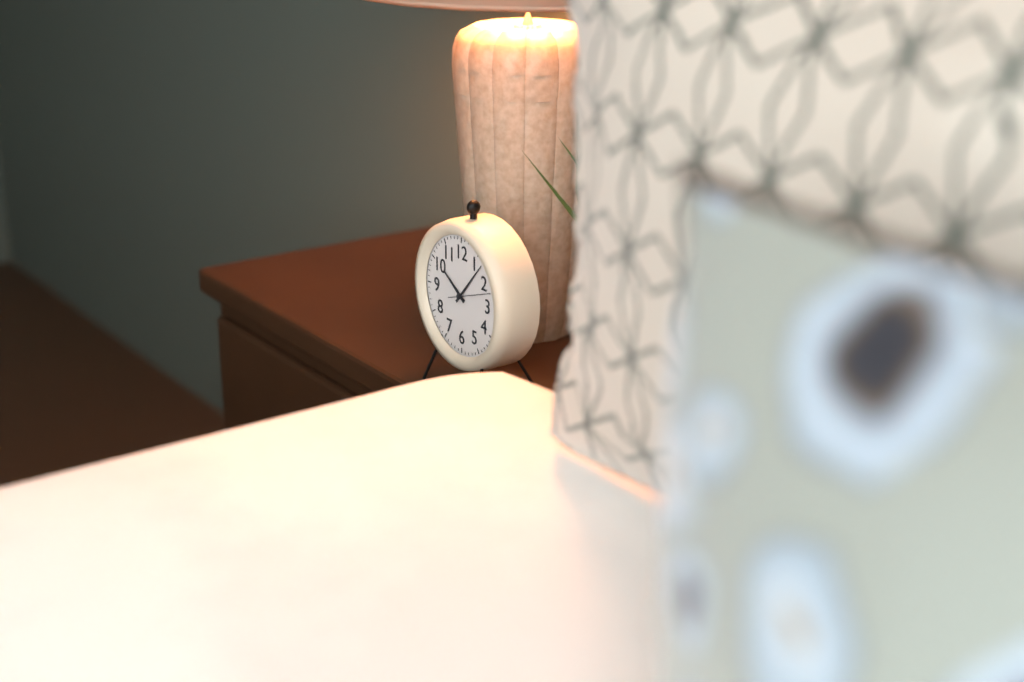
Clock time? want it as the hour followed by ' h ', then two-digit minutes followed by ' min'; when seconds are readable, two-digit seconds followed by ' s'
10 h 07 min
